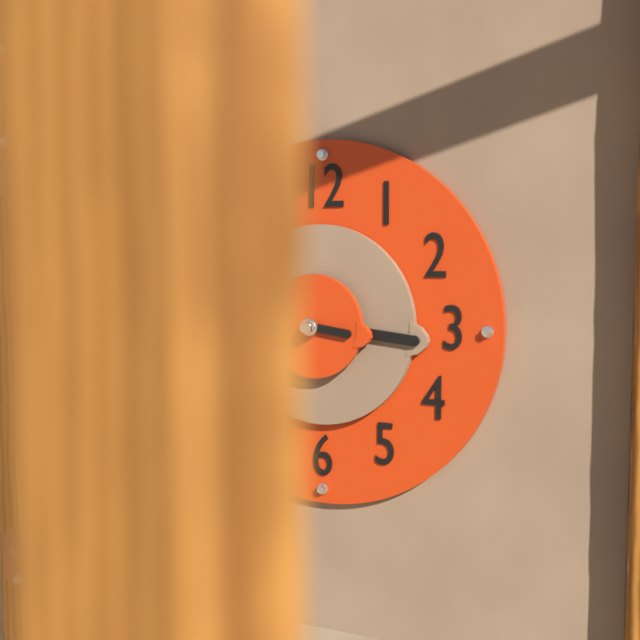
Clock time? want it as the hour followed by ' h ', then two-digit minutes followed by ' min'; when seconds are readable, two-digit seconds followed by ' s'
3 h 16 min
